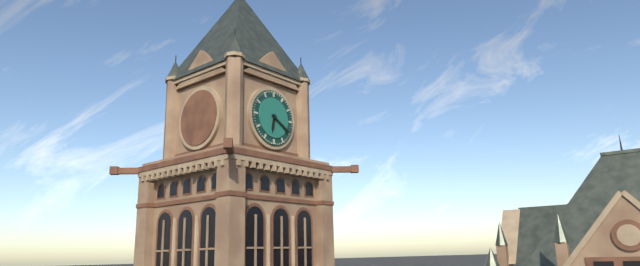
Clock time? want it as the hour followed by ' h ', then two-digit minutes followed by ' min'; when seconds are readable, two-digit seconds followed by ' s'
6 h 20 min
